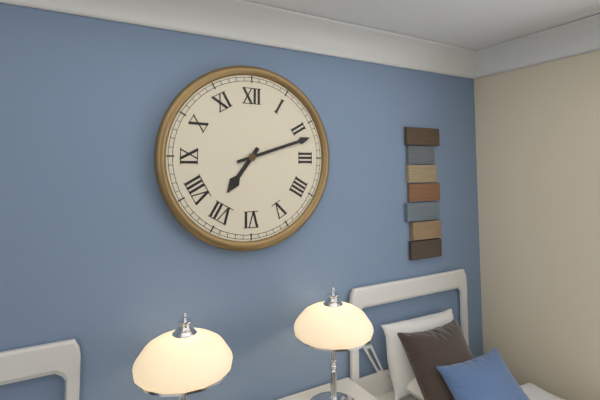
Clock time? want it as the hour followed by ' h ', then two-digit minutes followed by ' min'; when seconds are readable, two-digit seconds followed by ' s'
7 h 12 min
